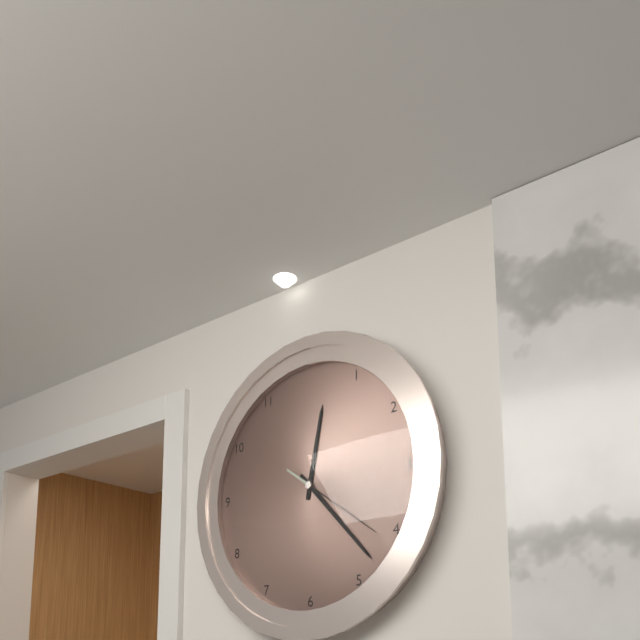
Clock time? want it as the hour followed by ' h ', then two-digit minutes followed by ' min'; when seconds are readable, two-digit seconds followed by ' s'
12 h 23 min 21 s
